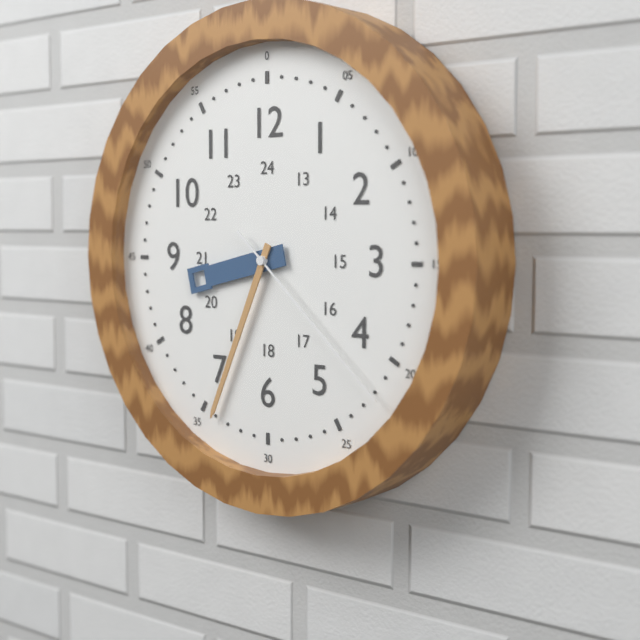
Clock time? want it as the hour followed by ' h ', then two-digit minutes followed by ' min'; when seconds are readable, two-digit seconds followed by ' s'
8 h 34 min 22 s
